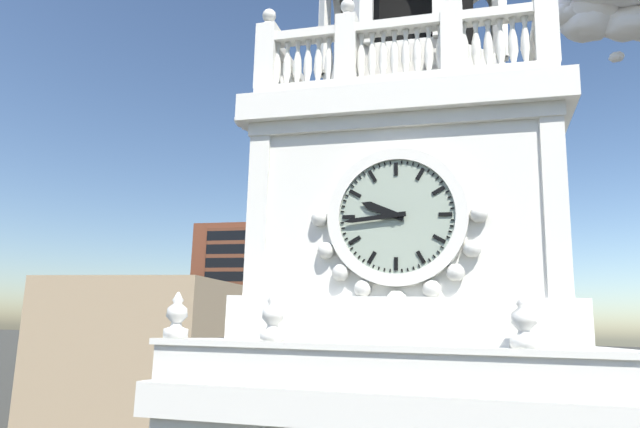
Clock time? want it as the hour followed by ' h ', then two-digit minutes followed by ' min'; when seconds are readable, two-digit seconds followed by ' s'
9 h 44 min
